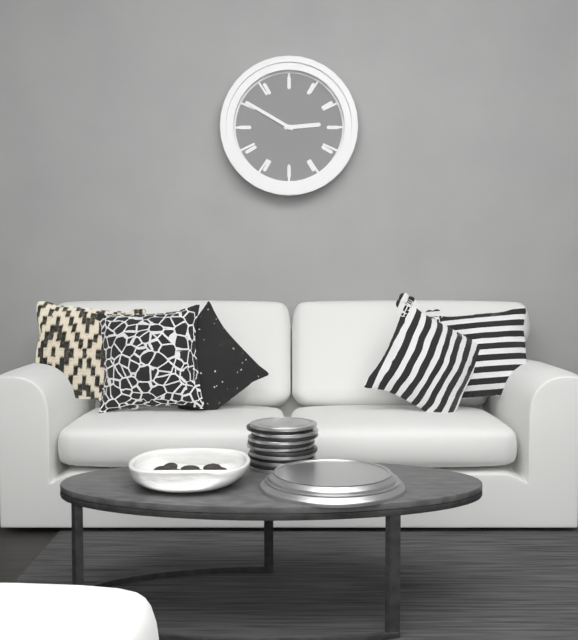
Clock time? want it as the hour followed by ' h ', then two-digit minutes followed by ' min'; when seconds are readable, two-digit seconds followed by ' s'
2 h 50 min
